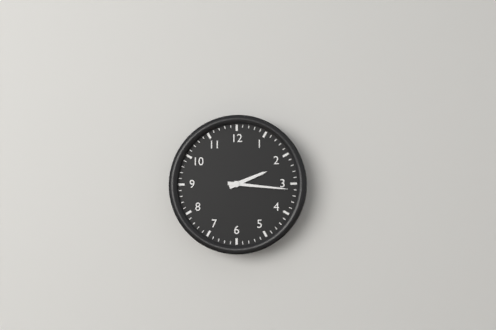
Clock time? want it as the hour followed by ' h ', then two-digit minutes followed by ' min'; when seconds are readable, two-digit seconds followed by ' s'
2 h 16 min
